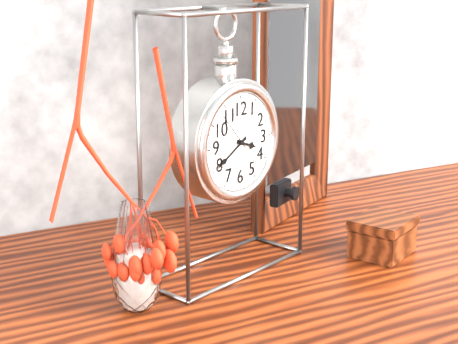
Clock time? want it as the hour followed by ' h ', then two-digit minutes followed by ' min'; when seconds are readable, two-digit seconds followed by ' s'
3 h 40 min
